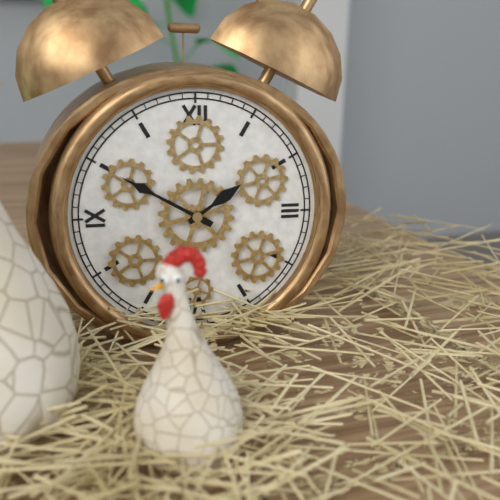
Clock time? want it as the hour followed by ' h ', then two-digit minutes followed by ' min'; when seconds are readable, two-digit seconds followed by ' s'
1 h 50 min
